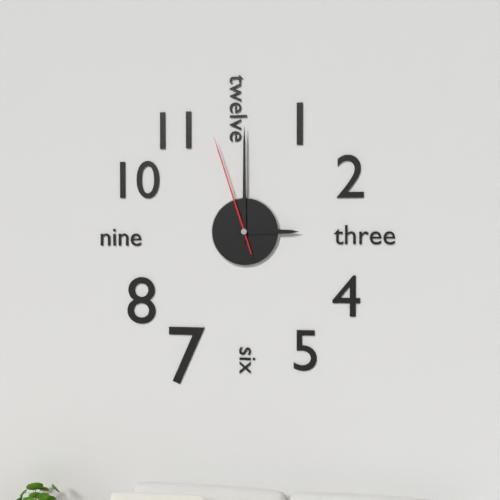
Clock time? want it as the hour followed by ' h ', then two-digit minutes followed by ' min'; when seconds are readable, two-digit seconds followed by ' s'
3 h 00 min 57 s
